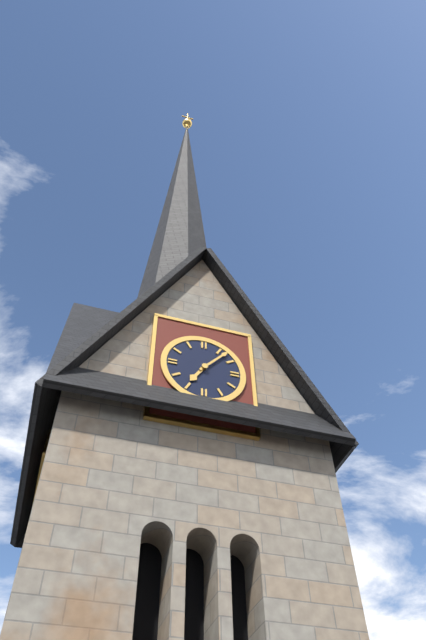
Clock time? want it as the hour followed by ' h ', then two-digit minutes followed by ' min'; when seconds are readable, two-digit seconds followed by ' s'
7 h 07 min
